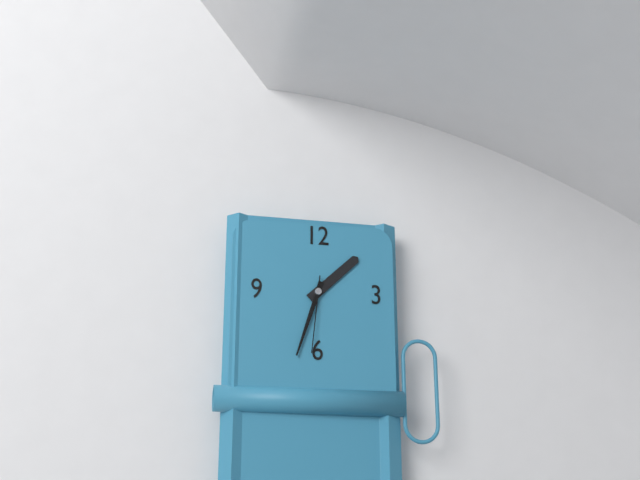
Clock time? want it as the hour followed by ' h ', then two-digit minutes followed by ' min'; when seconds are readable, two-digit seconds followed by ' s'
1 h 33 min 31 s
